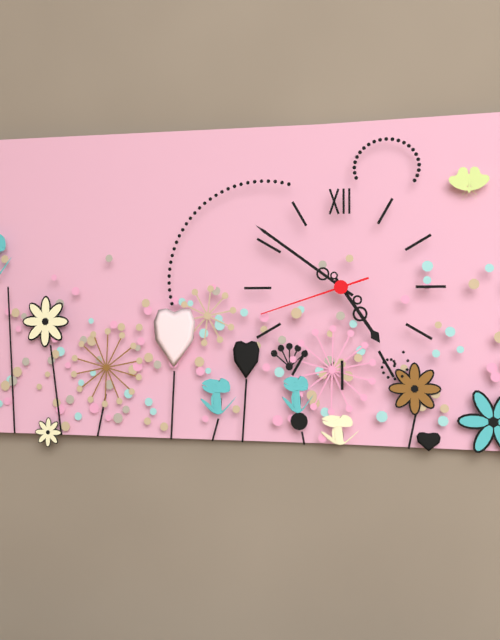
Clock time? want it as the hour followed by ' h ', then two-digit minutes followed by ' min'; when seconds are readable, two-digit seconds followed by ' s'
4 h 51 min 42 s
